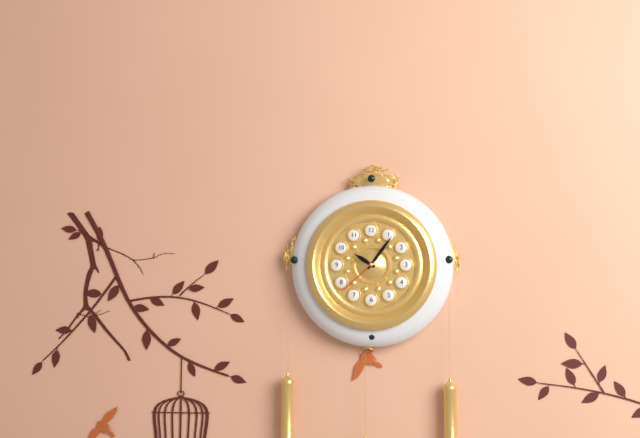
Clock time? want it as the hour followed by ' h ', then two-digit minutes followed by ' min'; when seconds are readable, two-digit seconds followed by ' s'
10 h 06 min
